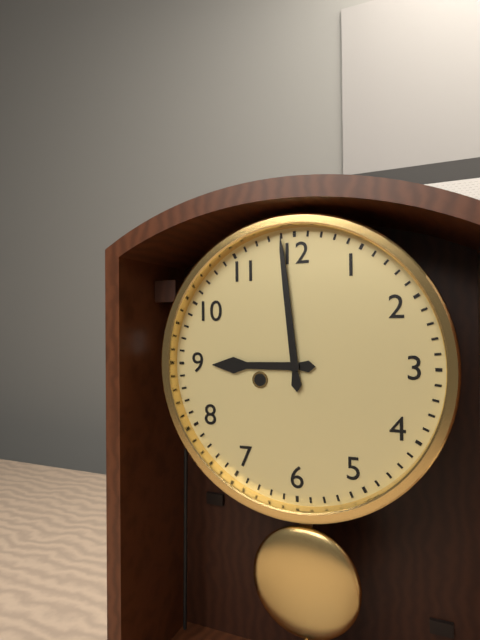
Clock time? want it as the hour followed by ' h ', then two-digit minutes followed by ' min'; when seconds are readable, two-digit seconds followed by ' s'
8 h 59 min
